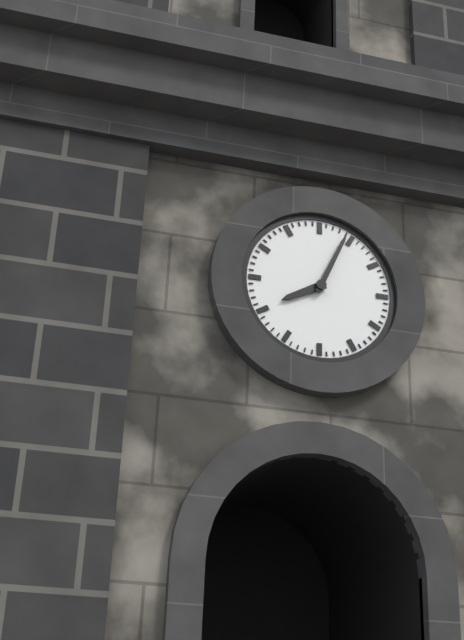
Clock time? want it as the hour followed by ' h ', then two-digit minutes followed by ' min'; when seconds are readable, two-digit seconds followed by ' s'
8 h 04 min
